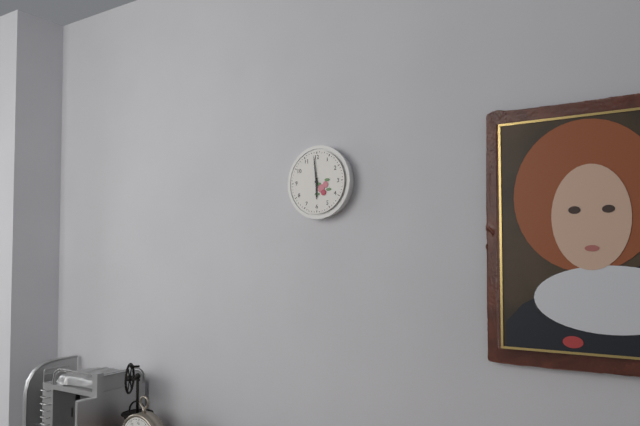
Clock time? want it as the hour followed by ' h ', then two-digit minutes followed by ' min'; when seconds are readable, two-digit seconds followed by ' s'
5 h 59 min
